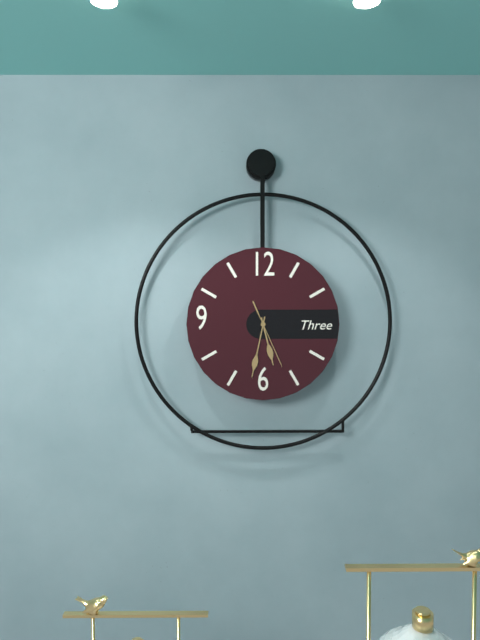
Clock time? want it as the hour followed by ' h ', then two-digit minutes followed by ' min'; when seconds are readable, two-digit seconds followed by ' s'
5 h 32 min 26 s
